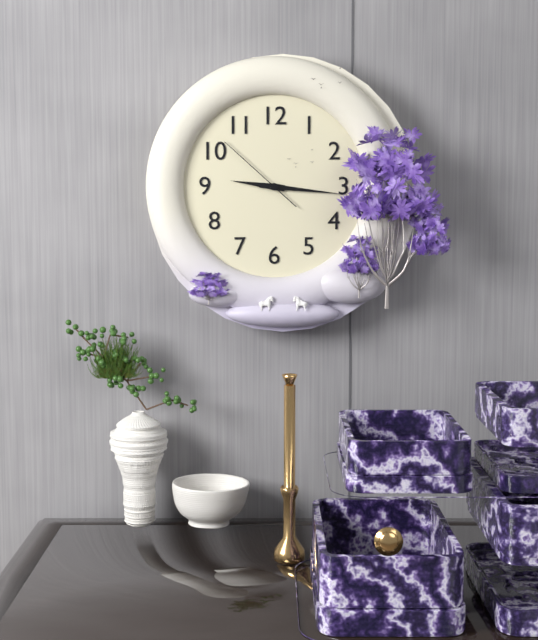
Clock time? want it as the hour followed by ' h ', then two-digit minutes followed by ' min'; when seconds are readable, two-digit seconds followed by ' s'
9 h 16 min 52 s
